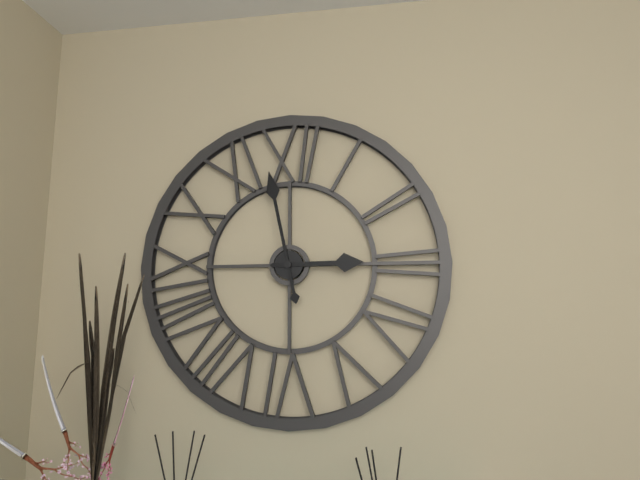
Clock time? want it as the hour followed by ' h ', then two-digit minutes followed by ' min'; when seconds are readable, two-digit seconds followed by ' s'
2 h 58 min
